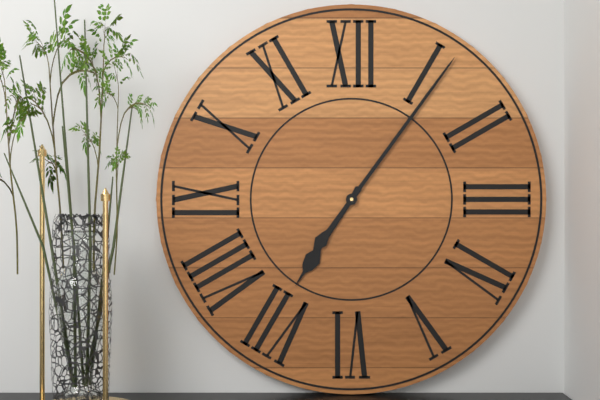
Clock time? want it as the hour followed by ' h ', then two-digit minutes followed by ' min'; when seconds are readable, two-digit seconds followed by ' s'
7 h 06 min
